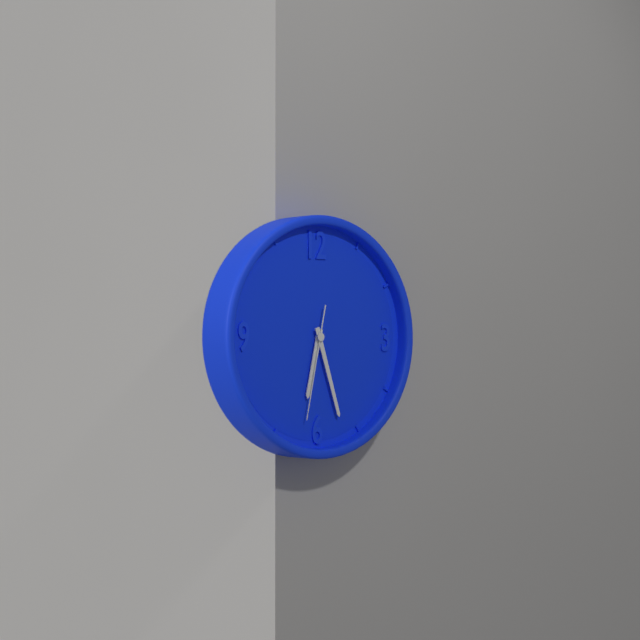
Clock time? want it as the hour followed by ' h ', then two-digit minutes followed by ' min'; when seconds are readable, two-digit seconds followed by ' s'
6 h 27 min 32 s
